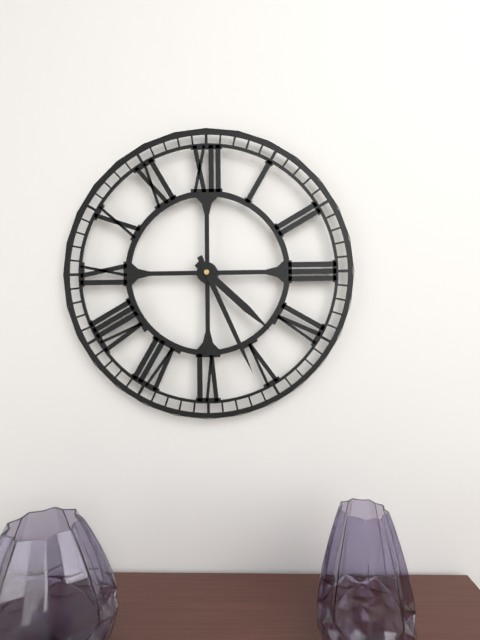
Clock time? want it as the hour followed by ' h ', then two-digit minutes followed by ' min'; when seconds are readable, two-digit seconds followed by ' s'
4 h 26 min
